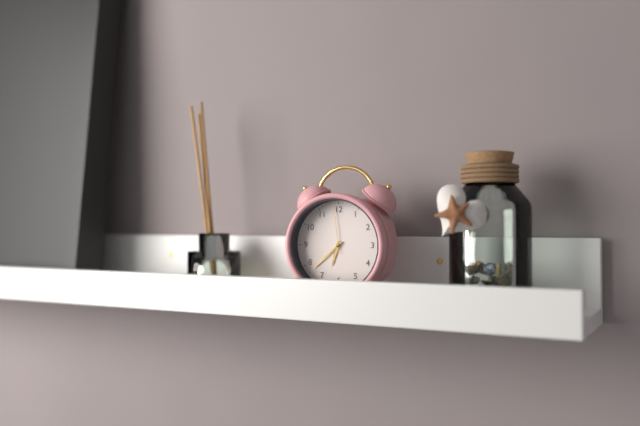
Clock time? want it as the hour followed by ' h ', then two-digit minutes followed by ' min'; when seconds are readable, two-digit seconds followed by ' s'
6 h 38 min
